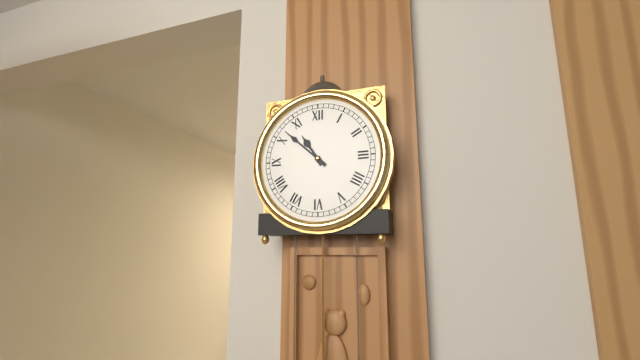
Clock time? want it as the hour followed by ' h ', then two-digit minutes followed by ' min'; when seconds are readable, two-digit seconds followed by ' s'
10 h 52 min
